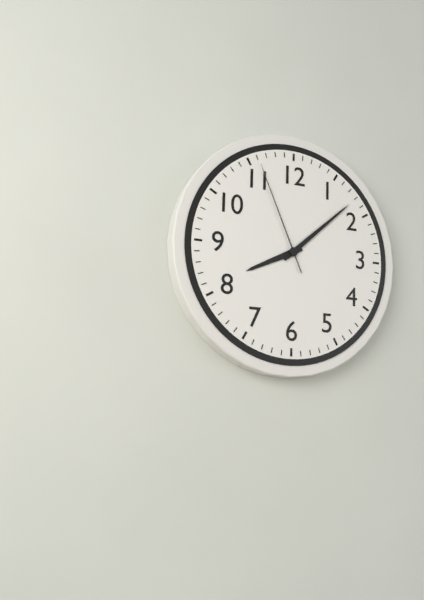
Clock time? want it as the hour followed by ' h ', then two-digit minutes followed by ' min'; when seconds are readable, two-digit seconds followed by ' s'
8 h 08 min 56 s
